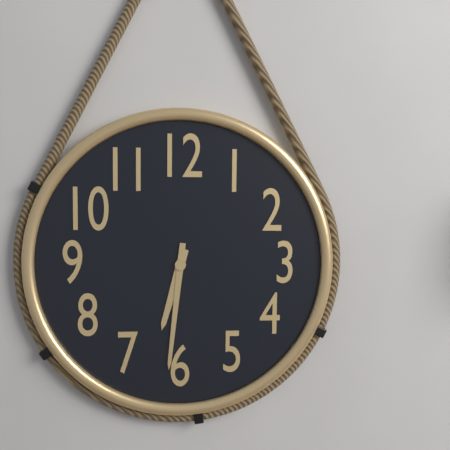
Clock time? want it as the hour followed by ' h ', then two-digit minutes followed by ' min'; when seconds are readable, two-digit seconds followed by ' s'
6 h 31 min
